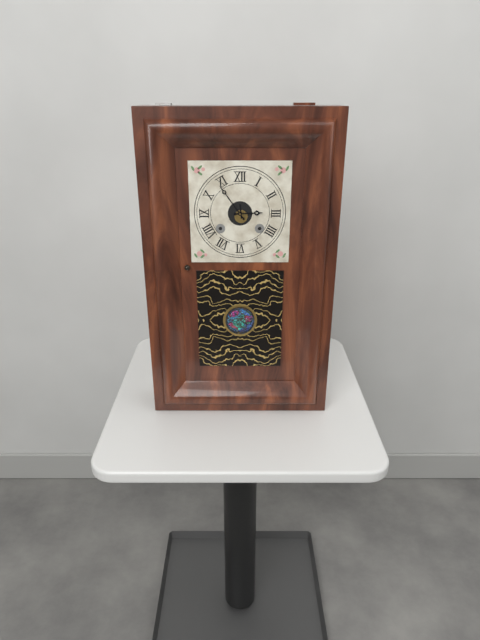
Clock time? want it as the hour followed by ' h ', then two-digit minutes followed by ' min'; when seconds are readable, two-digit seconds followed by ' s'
2 h 54 min
